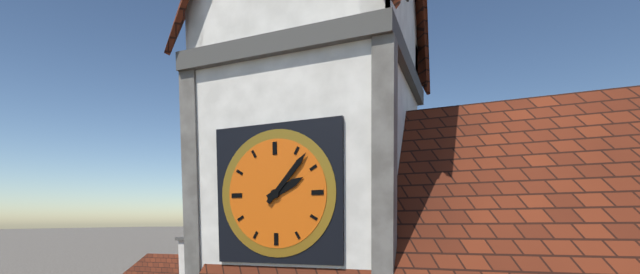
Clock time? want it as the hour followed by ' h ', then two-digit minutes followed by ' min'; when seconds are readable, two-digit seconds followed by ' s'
2 h 07 min
